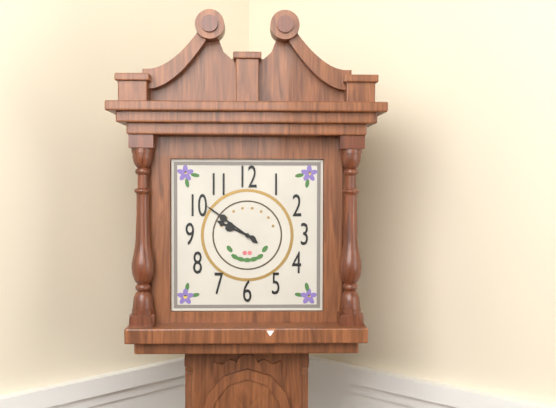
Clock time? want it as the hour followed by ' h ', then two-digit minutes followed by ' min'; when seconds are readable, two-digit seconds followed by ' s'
9 h 51 min
